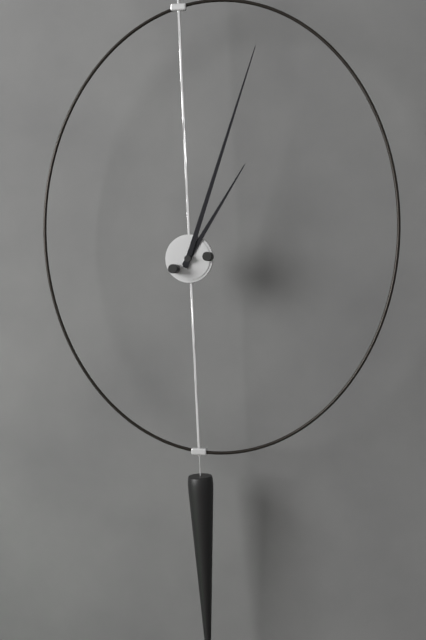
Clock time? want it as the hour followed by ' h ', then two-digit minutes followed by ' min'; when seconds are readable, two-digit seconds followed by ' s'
1 h 03 min
